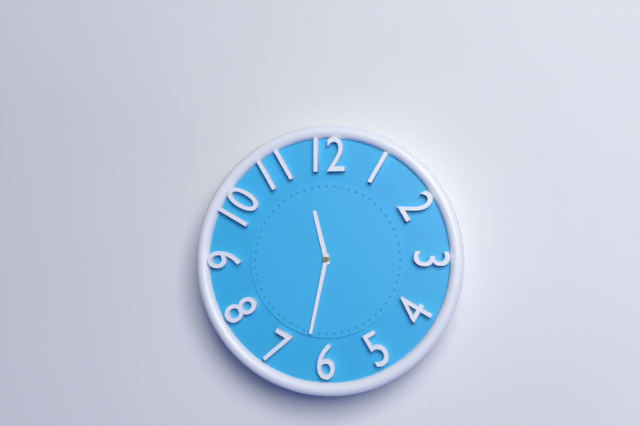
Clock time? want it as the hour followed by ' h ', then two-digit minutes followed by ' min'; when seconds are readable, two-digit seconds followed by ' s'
11 h 32 min
